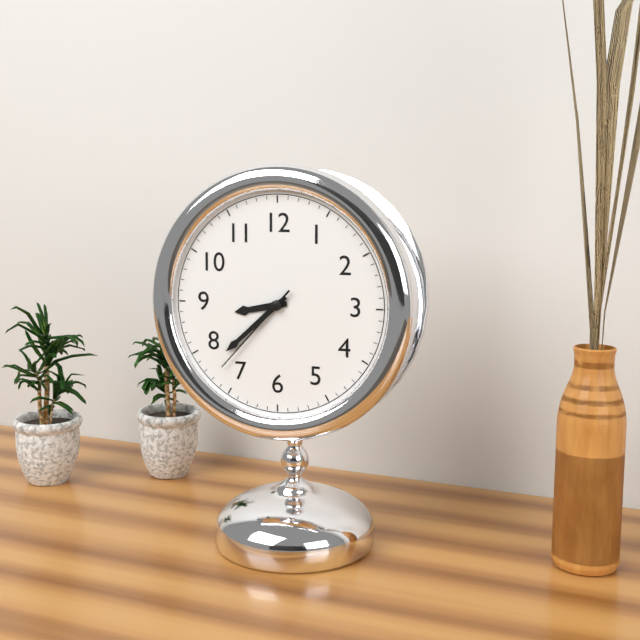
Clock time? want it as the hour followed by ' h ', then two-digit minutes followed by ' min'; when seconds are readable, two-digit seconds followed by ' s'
8 h 38 min 37 s
